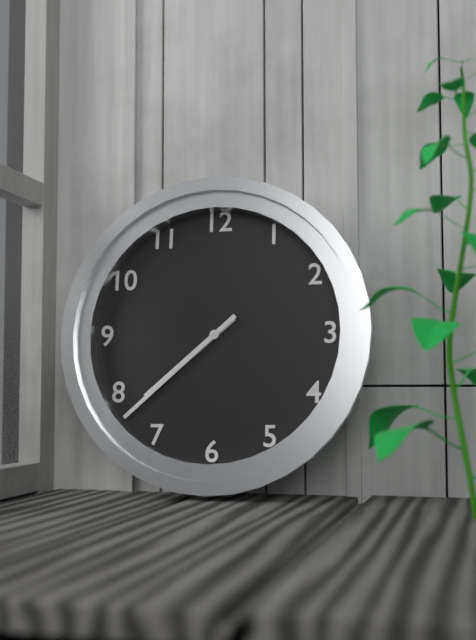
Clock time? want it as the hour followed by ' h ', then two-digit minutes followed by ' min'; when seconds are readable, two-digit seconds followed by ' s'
7 h 38 min
